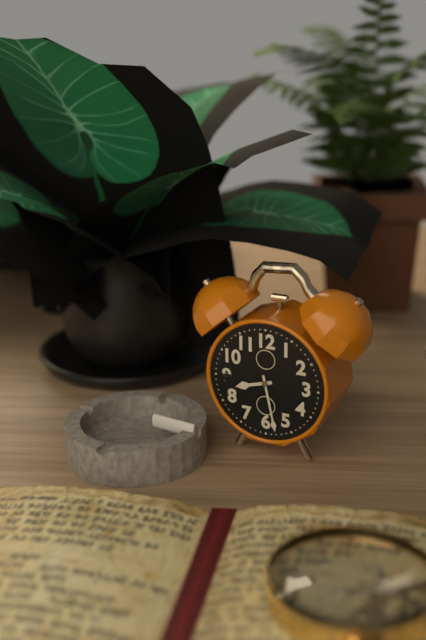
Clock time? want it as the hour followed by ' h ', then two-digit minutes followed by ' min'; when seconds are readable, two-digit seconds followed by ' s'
8 h 28 min
